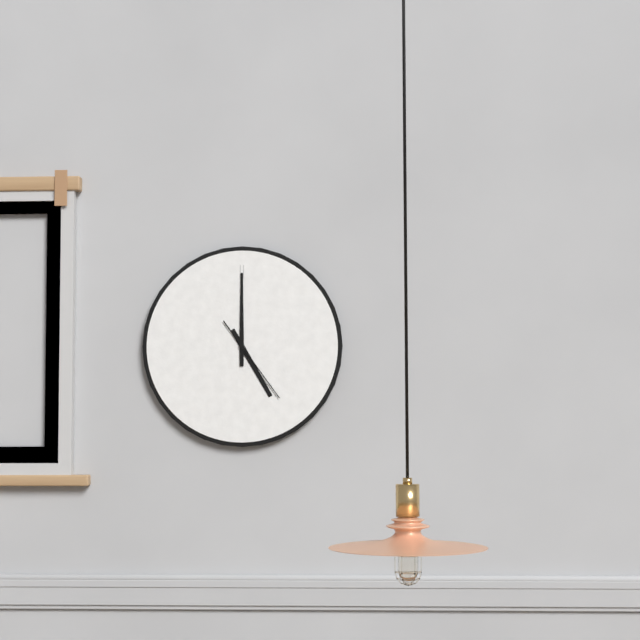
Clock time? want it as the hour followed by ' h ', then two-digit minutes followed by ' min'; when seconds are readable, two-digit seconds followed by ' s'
5 h 00 min 24 s
